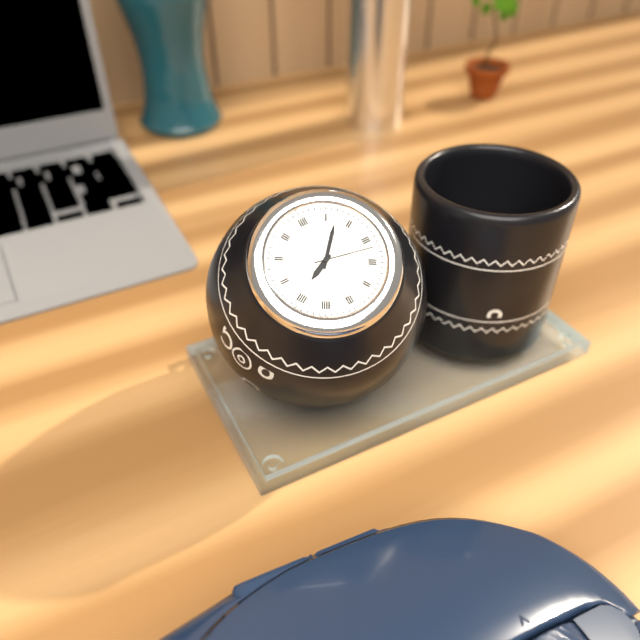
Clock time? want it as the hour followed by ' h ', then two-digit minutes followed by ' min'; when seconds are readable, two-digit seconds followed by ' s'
8 h 07 min 17 s
